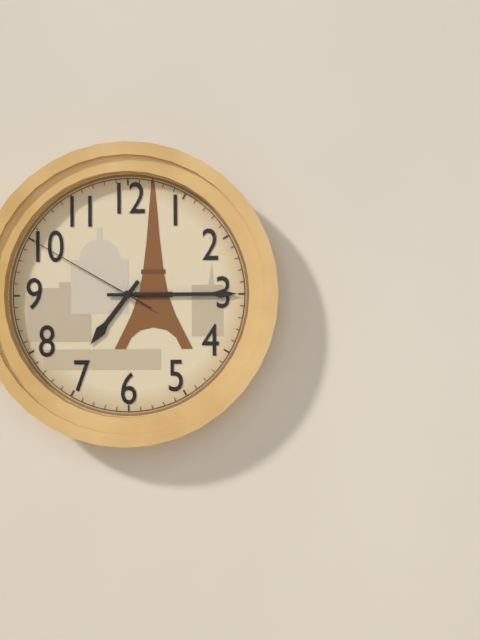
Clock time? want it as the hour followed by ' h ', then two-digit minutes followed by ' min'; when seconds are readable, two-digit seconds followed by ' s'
7 h 15 min 50 s
